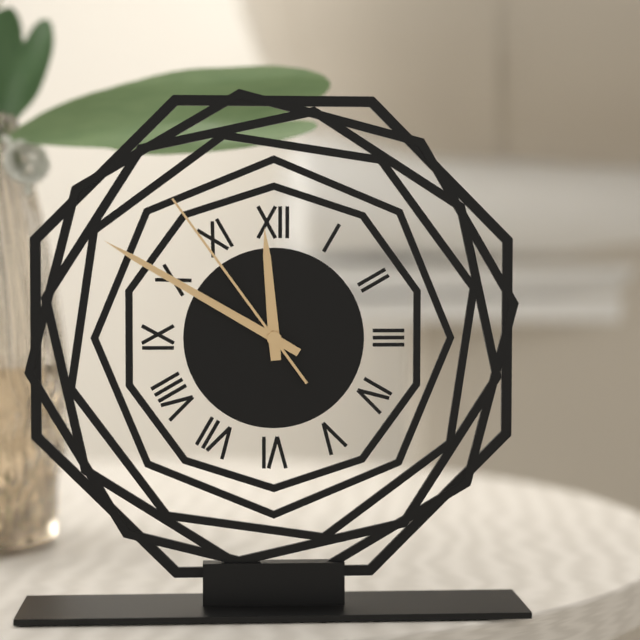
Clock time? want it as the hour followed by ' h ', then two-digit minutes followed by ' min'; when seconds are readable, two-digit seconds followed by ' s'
11 h 50 min 54 s
